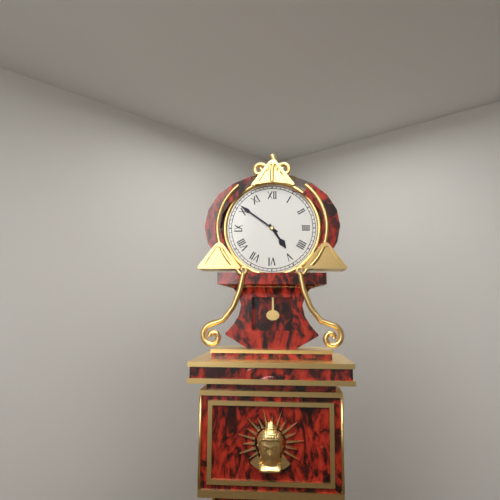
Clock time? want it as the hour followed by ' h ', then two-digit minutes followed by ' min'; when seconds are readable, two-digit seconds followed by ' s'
4 h 51 min
